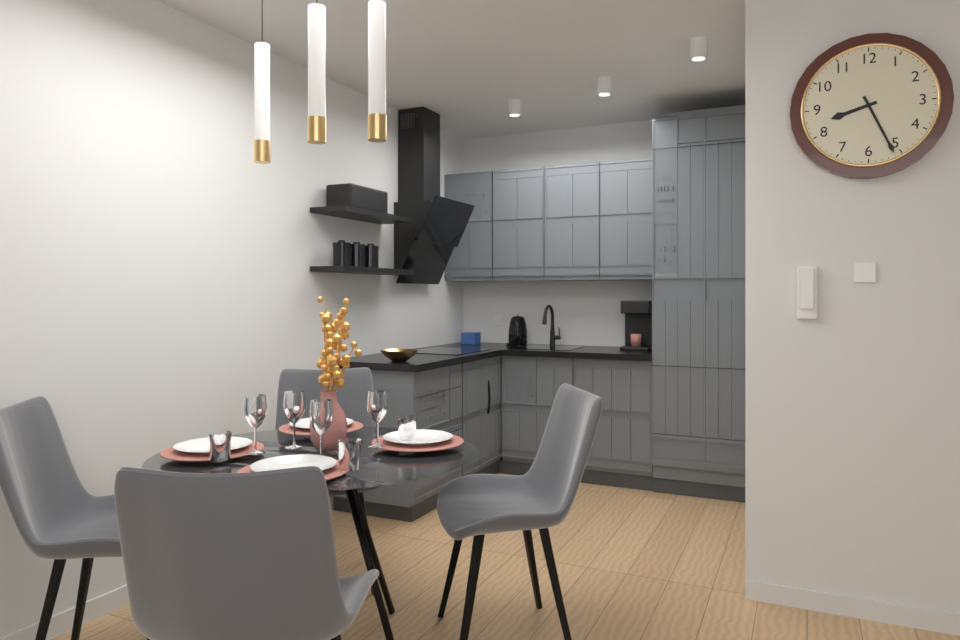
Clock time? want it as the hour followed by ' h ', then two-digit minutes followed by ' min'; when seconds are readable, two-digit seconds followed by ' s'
8 h 26 min
